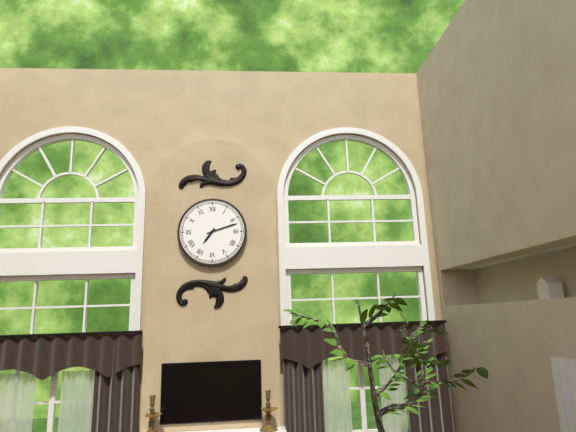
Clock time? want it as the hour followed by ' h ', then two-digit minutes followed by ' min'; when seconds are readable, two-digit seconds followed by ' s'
7 h 12 min
